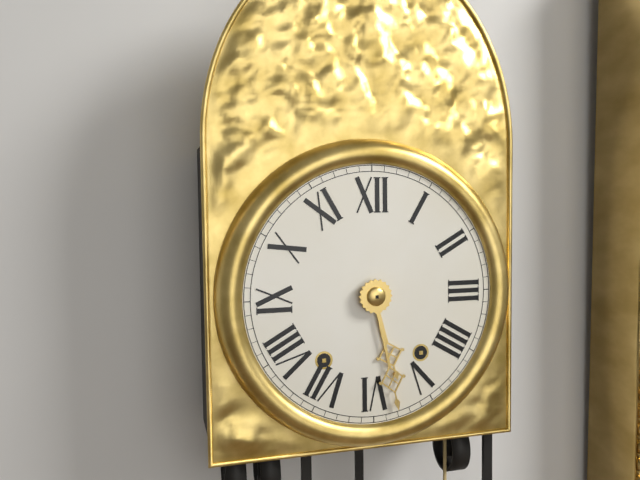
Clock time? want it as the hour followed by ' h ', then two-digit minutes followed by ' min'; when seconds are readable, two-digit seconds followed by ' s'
5 h 28 min
